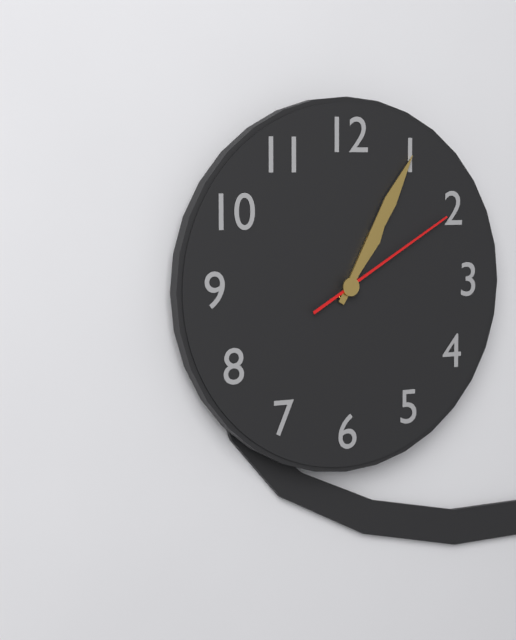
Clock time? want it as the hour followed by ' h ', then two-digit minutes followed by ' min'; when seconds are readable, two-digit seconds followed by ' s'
1 h 05 min 10 s
